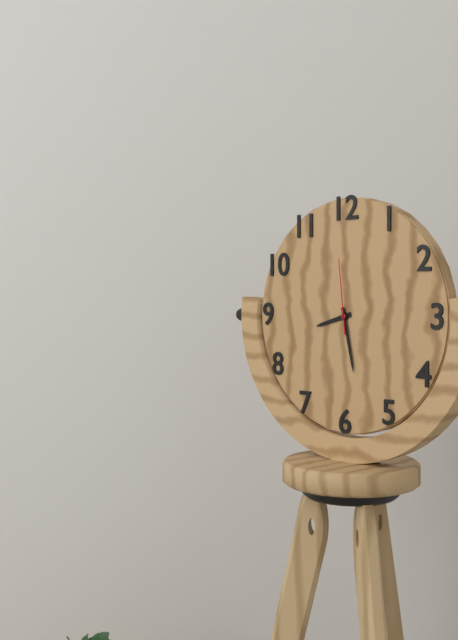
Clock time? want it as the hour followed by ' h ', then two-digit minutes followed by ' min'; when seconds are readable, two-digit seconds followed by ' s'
8 h 28 min 59 s
